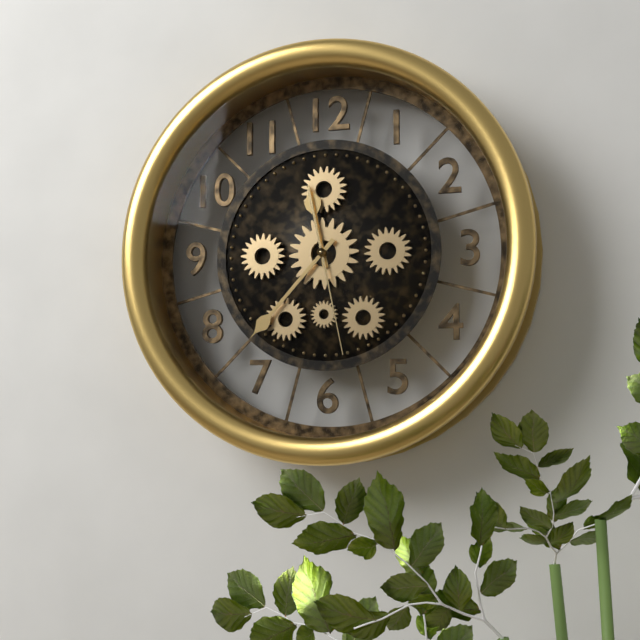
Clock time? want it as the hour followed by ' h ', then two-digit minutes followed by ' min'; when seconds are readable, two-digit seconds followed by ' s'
11 h 37 min 28 s
